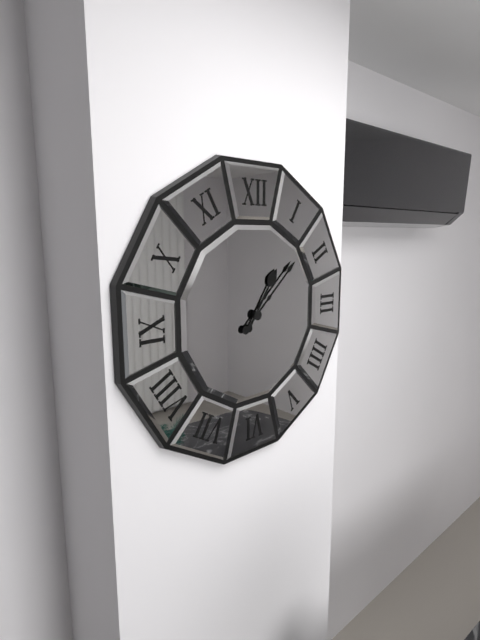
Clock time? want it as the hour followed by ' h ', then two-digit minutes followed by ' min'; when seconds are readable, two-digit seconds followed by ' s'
1 h 08 min
